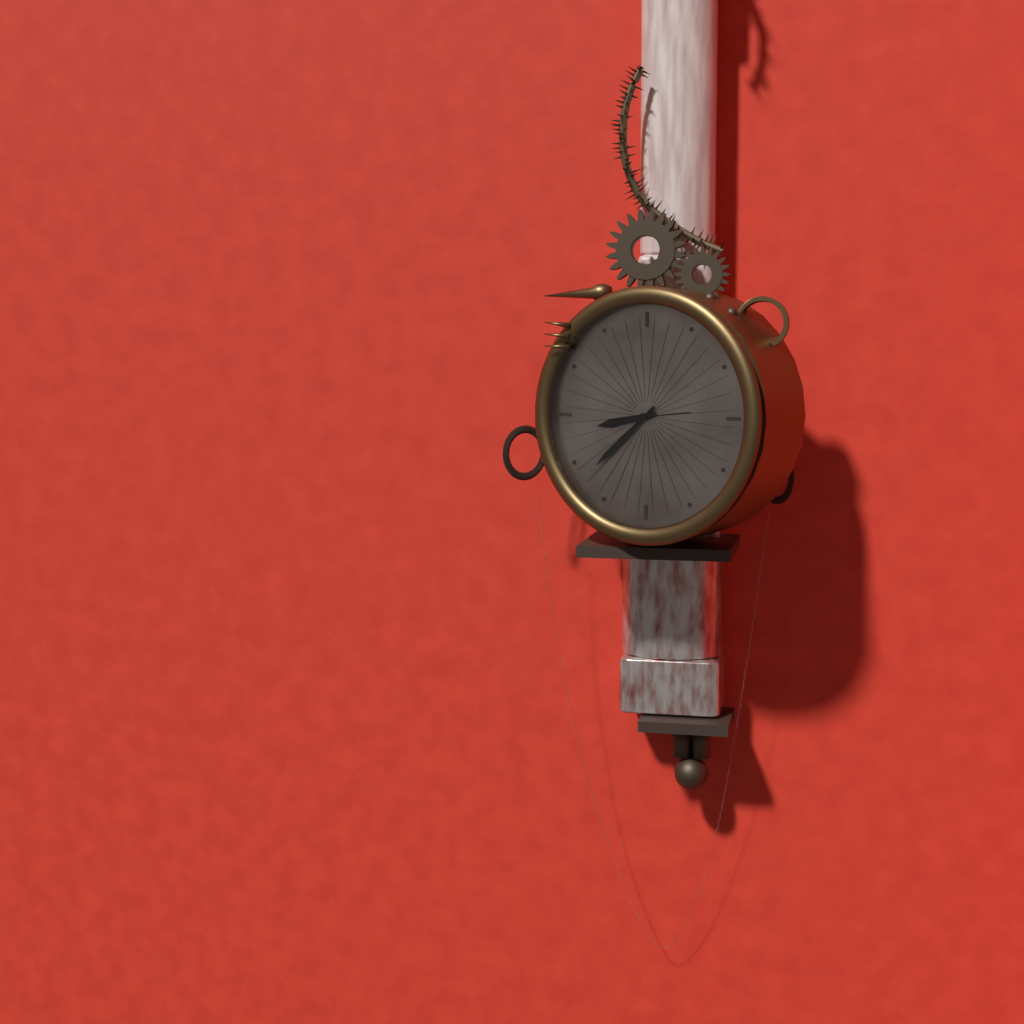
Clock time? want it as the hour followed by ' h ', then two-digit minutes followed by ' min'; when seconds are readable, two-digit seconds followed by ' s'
8 h 38 min 14 s
